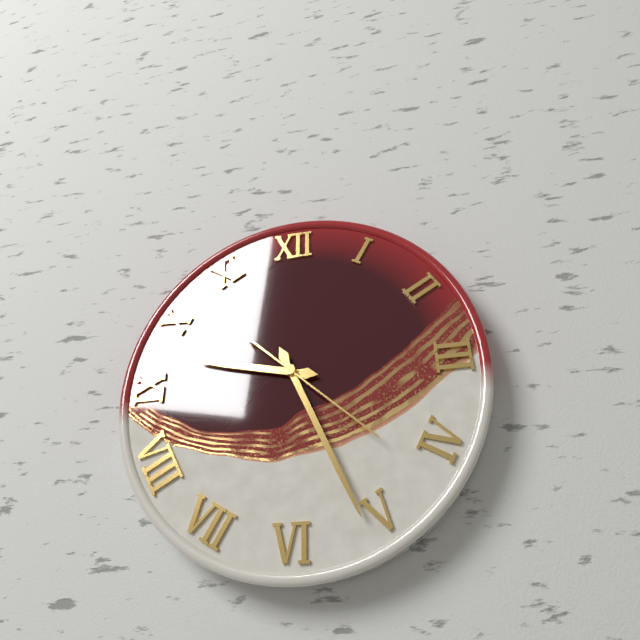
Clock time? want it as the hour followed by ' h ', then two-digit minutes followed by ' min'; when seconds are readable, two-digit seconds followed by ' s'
9 h 26 min 22 s
